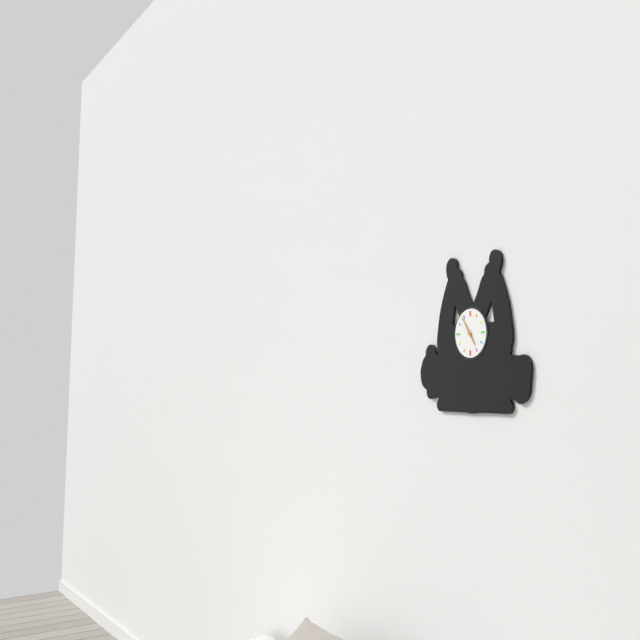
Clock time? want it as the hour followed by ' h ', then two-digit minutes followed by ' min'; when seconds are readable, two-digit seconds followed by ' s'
4 h 54 min
